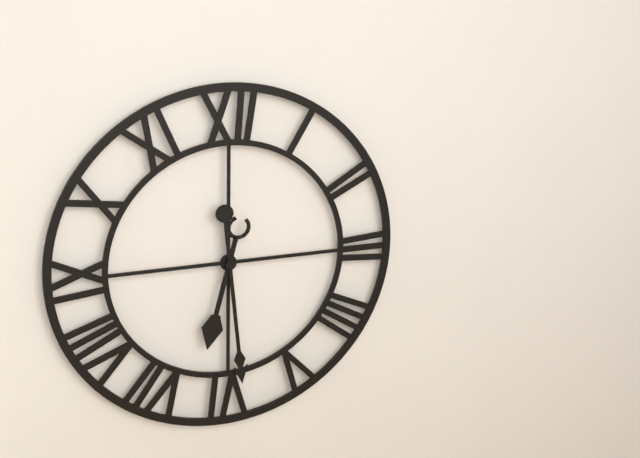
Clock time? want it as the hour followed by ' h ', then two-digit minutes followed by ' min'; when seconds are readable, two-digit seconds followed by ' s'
6 h 29 min
